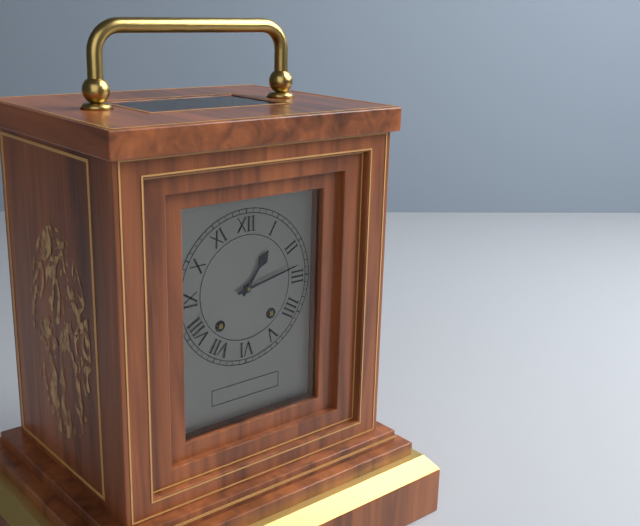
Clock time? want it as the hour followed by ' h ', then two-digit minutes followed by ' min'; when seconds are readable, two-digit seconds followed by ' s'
1 h 13 min
